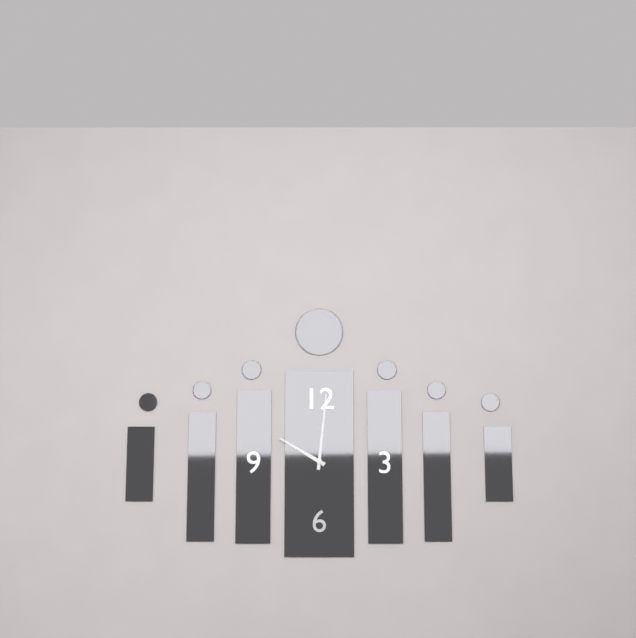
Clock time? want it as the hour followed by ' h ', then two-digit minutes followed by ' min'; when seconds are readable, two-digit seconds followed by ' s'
10 h 01 min
